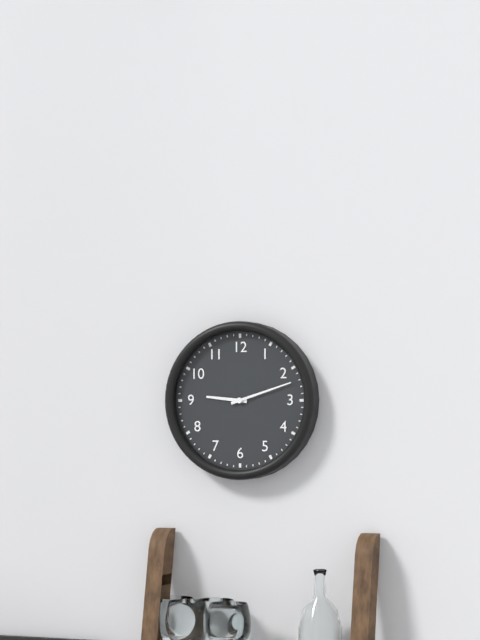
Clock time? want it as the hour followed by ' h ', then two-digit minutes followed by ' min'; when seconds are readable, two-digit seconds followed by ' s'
9 h 12 min
